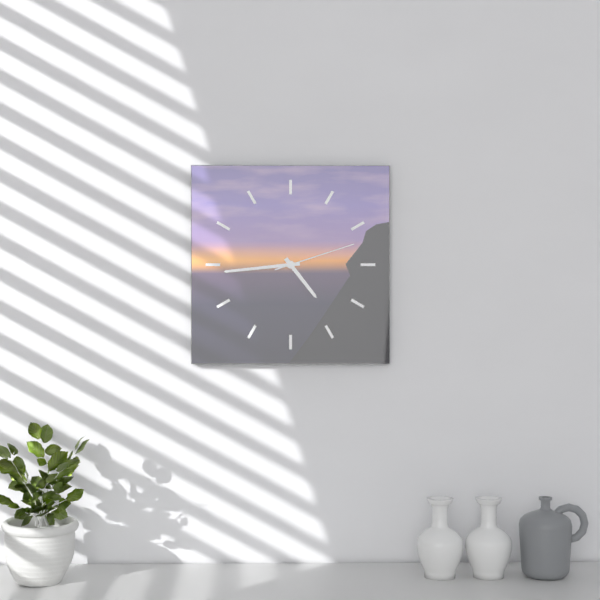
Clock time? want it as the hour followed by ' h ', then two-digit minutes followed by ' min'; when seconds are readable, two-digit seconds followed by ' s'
4 h 44 min 12 s
